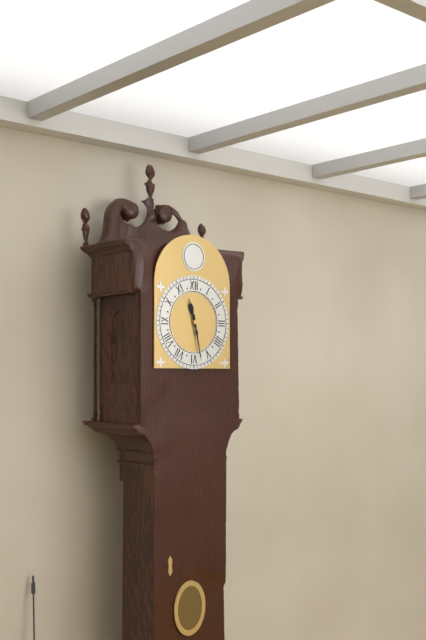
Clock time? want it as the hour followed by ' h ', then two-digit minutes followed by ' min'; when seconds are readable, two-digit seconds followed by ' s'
11 h 28 min
